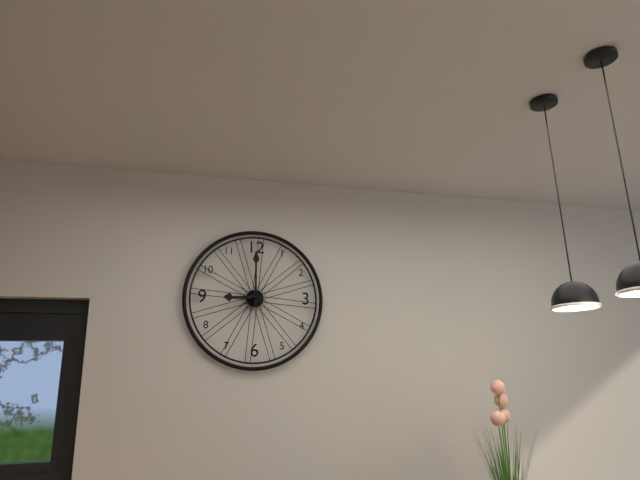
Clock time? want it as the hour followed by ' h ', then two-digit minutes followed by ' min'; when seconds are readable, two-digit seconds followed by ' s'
9 h 00 min
